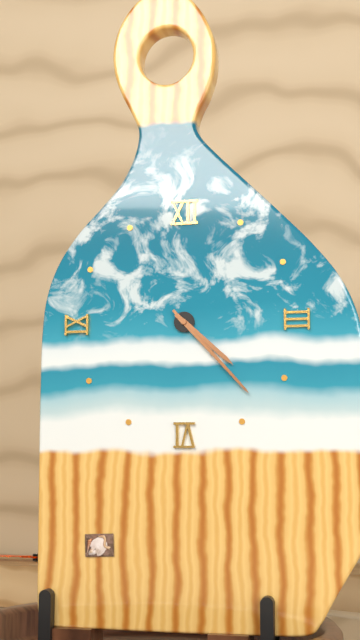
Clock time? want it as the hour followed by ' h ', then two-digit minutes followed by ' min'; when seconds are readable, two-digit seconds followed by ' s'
4 h 23 min
